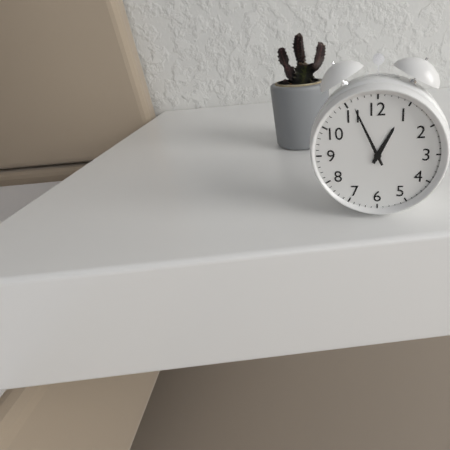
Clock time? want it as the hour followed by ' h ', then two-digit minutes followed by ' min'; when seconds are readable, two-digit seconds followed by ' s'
12 h 56 min
